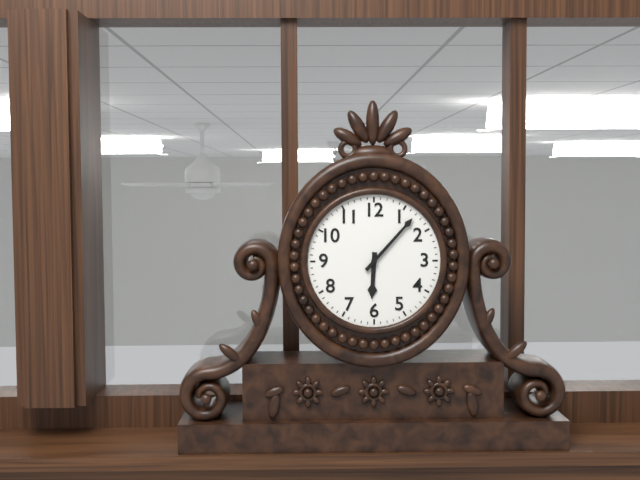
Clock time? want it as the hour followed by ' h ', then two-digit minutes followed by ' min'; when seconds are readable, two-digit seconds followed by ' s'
6 h 07 min
